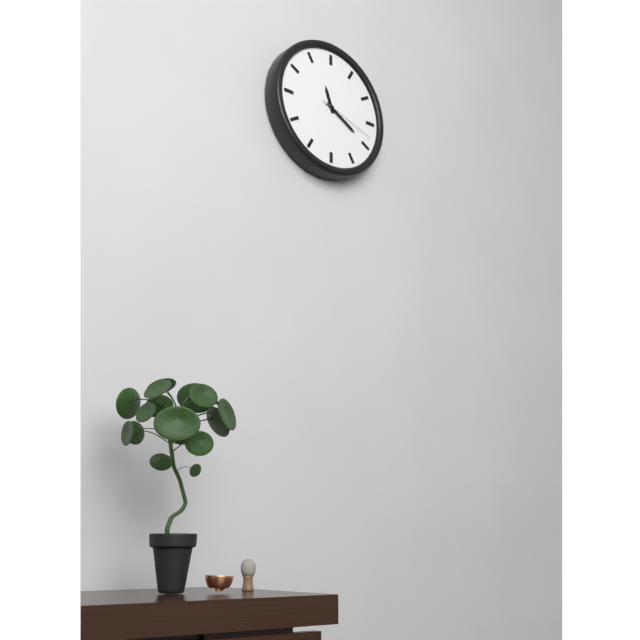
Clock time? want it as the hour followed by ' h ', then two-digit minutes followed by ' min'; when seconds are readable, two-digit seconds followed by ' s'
11 h 20 min 18 s
